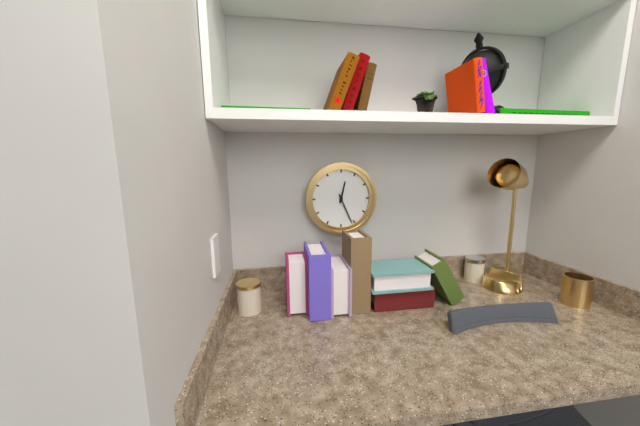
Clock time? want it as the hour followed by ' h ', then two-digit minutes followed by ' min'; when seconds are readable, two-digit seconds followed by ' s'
12 h 26 min
